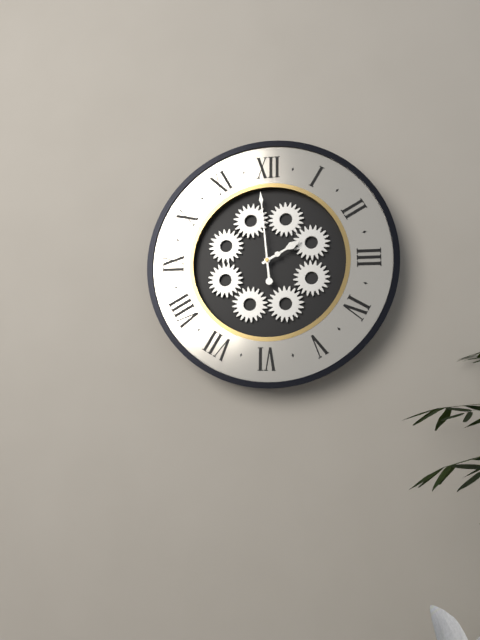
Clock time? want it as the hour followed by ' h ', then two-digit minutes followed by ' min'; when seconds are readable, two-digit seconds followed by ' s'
1 h 59 min
